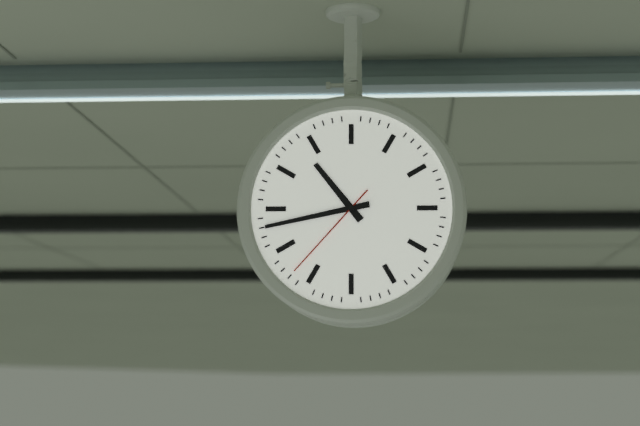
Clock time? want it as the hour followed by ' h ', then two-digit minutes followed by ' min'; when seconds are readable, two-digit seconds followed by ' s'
10 h 43 min 37 s
